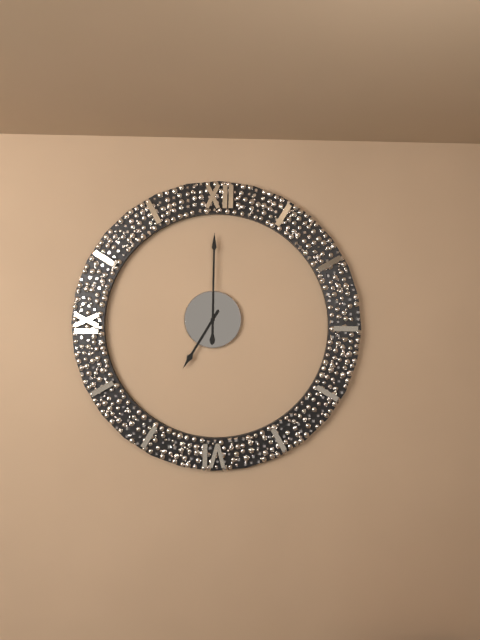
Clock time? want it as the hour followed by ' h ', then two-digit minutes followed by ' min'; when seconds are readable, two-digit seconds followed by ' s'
7 h 00 min
